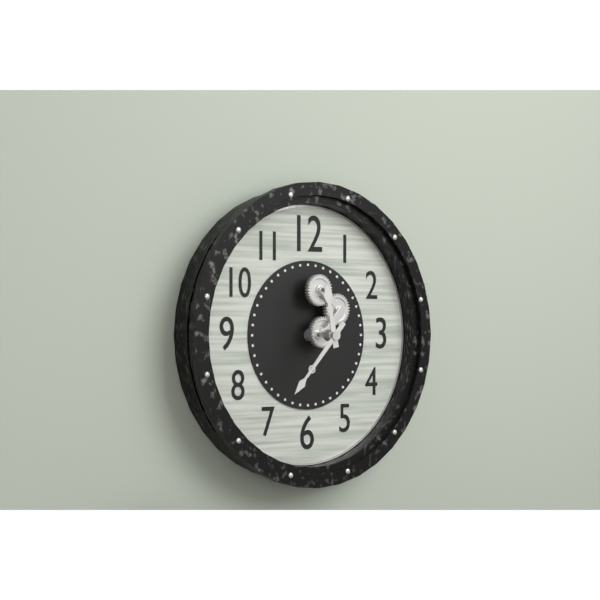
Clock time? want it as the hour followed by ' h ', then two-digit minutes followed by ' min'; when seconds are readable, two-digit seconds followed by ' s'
11 h 37 min
